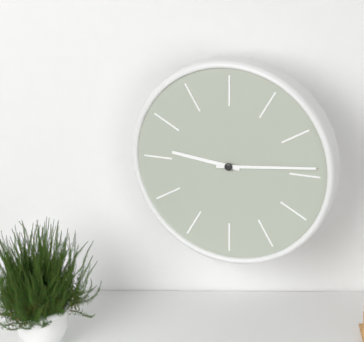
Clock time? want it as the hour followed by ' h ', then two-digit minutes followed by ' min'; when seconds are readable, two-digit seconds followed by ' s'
9 h 14 min
